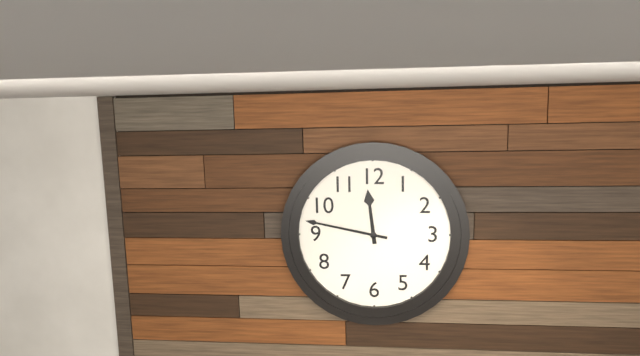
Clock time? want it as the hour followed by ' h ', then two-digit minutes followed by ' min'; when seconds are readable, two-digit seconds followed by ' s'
11 h 47 min
